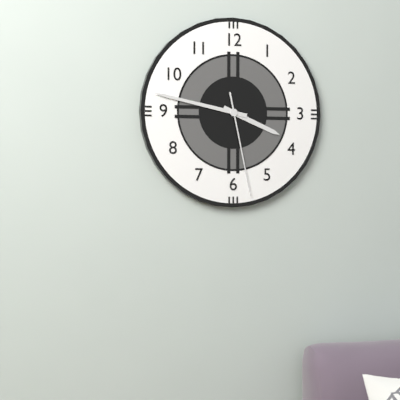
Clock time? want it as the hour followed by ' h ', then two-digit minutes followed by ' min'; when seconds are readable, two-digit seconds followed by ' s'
3 h 47 min 28 s
